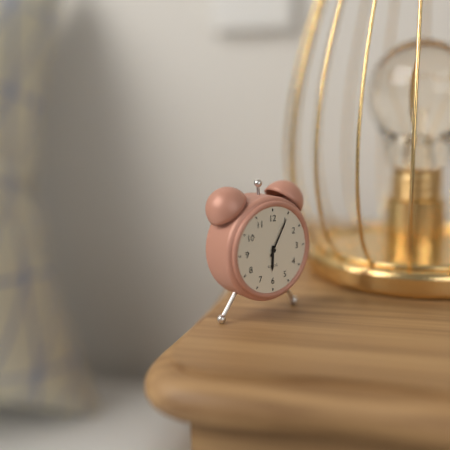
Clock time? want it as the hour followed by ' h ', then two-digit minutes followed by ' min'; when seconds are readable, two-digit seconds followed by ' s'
6 h 05 min
